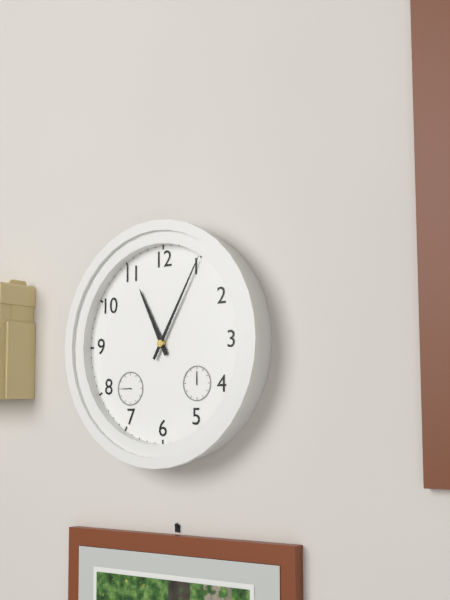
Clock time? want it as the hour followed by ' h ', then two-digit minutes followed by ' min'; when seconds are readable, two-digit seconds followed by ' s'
11 h 05 min
